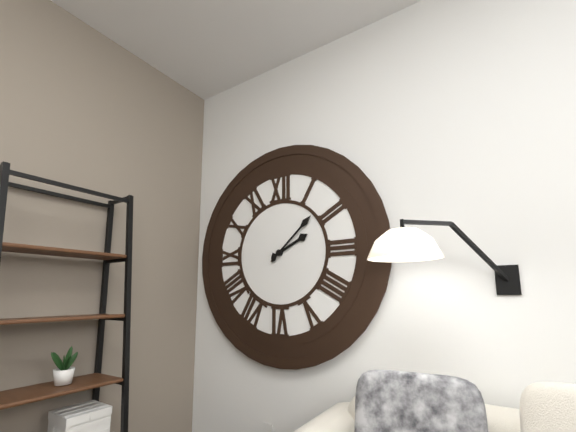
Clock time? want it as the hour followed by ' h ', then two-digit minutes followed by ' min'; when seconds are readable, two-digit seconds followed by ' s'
2 h 08 min
